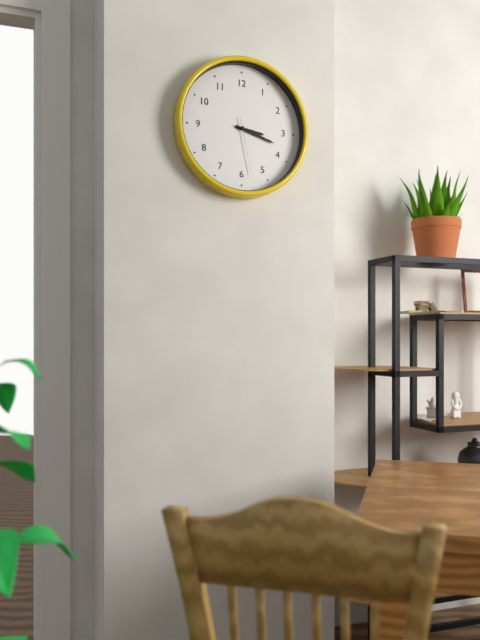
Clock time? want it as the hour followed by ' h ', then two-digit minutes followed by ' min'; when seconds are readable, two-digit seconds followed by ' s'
3 h 18 min 28 s
